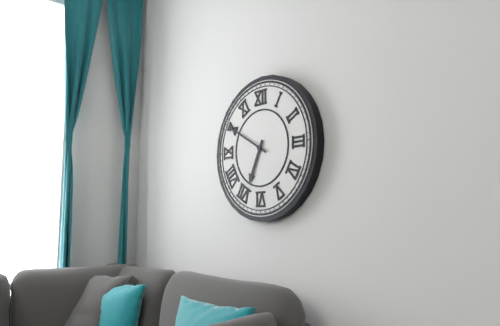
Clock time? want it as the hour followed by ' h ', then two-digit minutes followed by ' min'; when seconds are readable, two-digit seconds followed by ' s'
6 h 50 min
